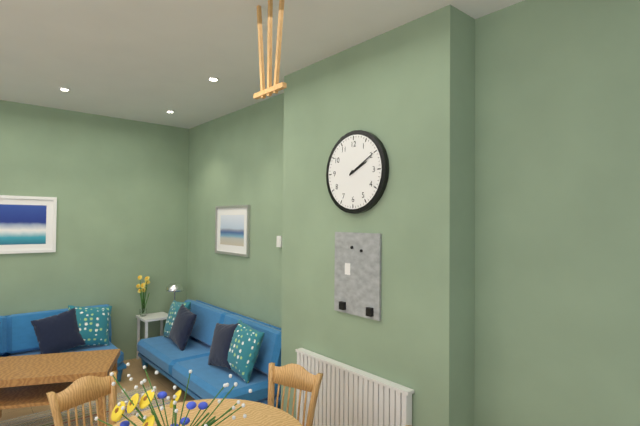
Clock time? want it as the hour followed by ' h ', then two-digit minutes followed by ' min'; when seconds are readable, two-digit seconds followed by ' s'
2 h 10 min
